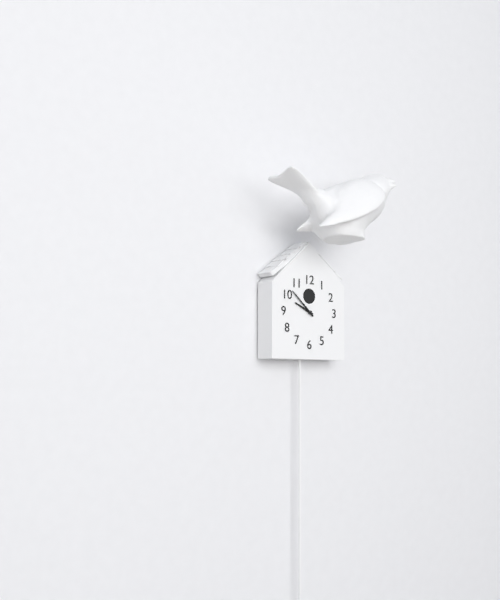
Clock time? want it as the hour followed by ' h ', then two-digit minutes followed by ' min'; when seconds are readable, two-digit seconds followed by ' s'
9 h 52 min
